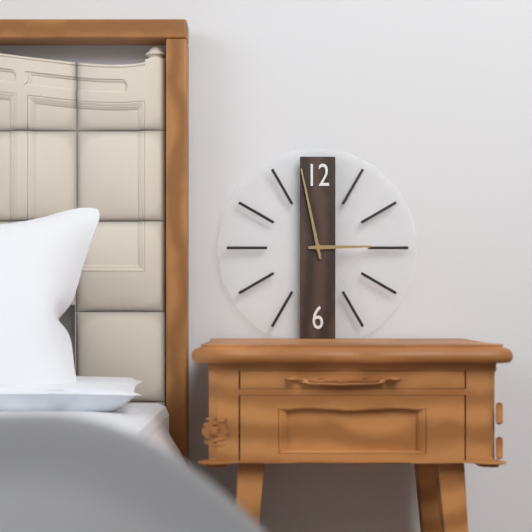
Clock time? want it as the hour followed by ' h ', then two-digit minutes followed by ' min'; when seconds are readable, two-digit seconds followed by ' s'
2 h 58 min
